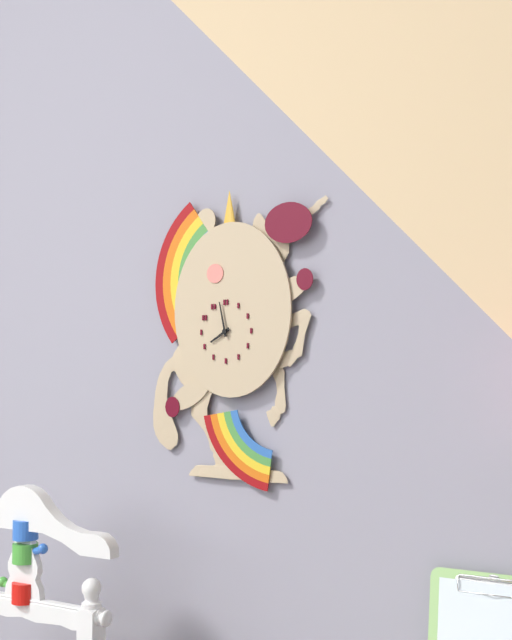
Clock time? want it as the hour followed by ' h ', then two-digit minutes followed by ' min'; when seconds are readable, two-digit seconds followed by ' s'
7 h 58 min
